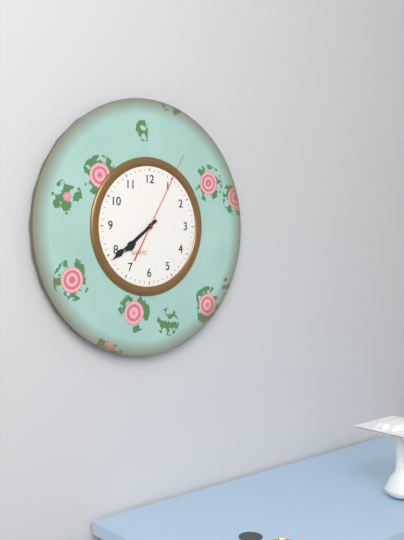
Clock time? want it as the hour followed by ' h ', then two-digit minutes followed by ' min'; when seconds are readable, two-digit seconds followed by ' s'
7 h 39 min 05 s
